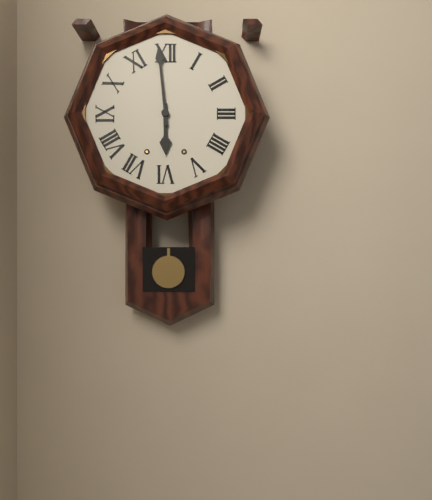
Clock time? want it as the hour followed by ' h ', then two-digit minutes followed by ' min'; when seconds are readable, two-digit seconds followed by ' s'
5 h 59 min
